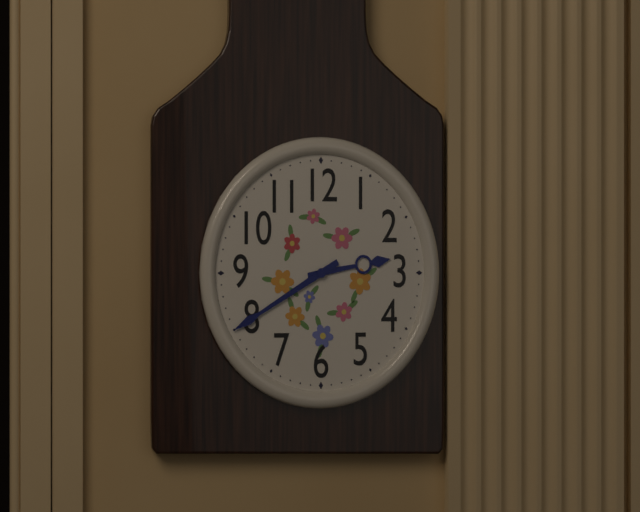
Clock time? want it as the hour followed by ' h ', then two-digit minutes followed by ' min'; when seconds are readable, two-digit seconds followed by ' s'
2 h 40 min
